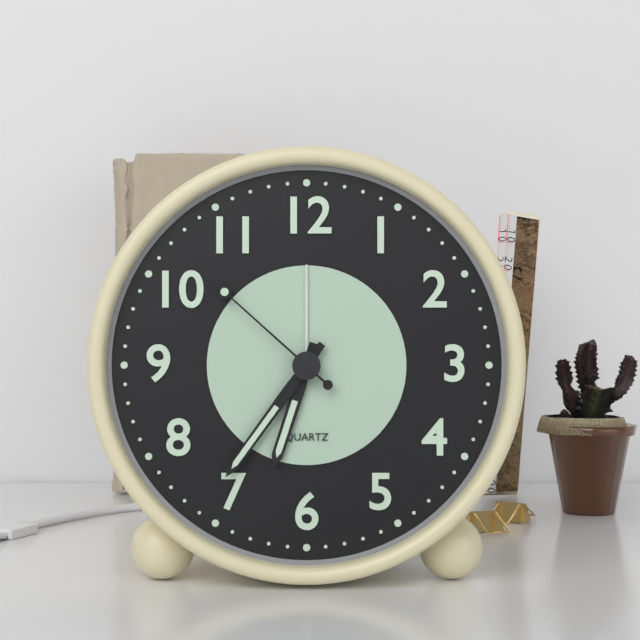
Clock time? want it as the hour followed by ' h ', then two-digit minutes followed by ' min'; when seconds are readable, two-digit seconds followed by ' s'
6 h 36 min 52 s
